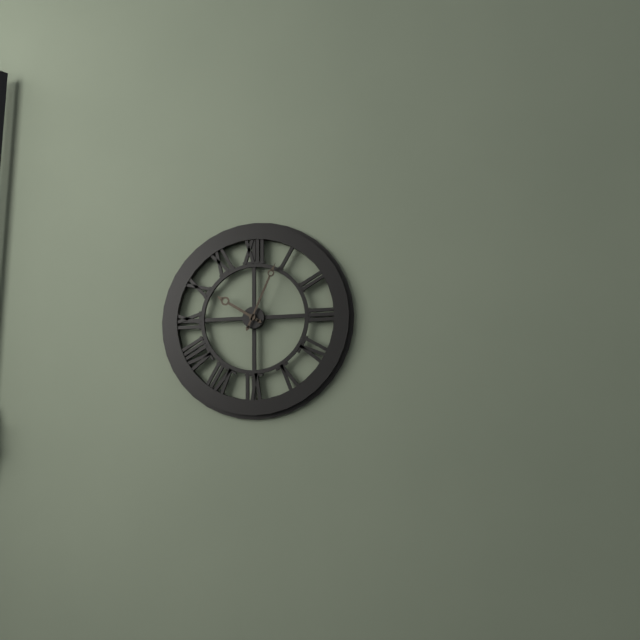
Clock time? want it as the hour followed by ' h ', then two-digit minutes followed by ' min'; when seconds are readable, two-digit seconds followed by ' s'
10 h 04 min
